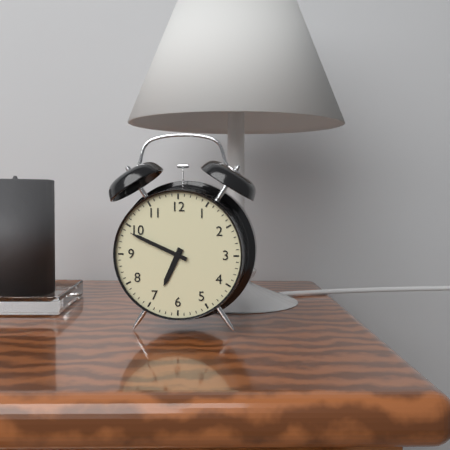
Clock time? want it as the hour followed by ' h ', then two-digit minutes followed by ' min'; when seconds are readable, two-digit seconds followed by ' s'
6 h 49 min
